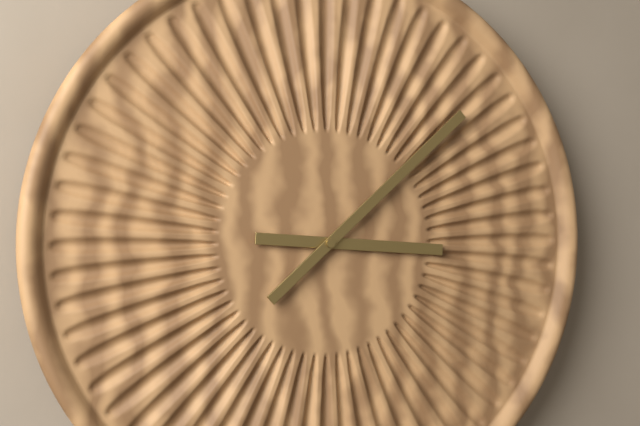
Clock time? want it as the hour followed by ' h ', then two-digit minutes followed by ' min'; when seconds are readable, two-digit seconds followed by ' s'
3 h 08 min
